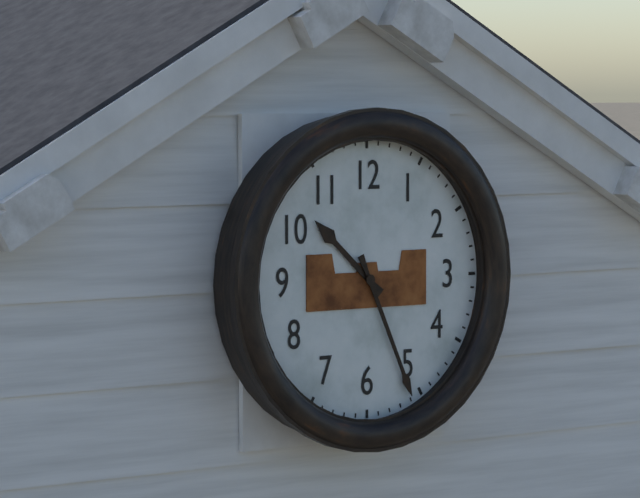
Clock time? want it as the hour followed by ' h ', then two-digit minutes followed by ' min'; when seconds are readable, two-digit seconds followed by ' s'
10 h 26 min
